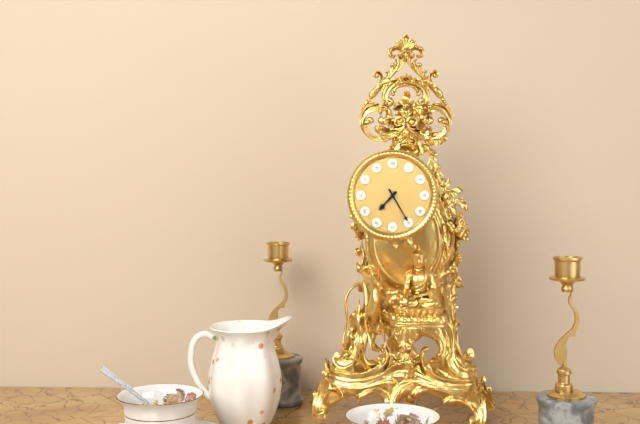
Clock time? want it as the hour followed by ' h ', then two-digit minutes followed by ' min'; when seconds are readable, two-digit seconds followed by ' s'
7 h 25 min
